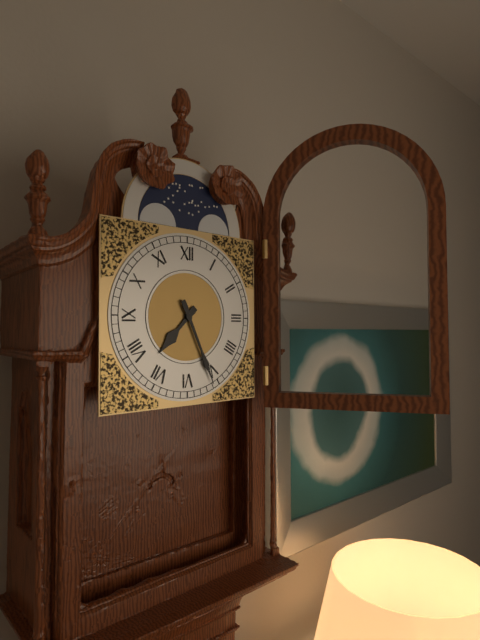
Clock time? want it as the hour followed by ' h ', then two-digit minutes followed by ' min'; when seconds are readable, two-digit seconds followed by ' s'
7 h 26 min
